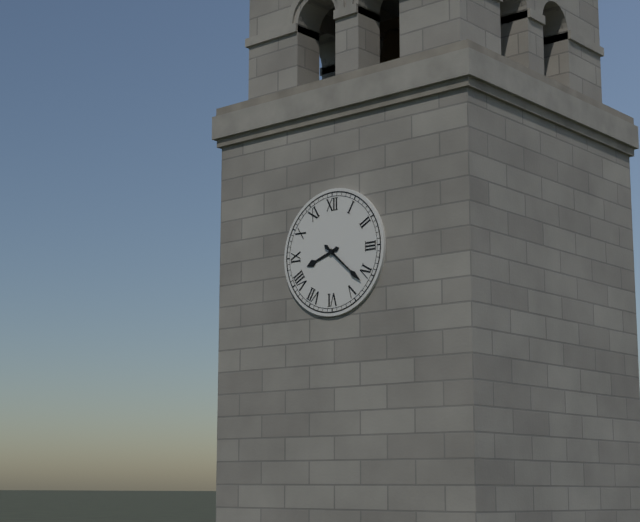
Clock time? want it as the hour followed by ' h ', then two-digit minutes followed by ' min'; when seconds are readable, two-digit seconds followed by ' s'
8 h 22 min
